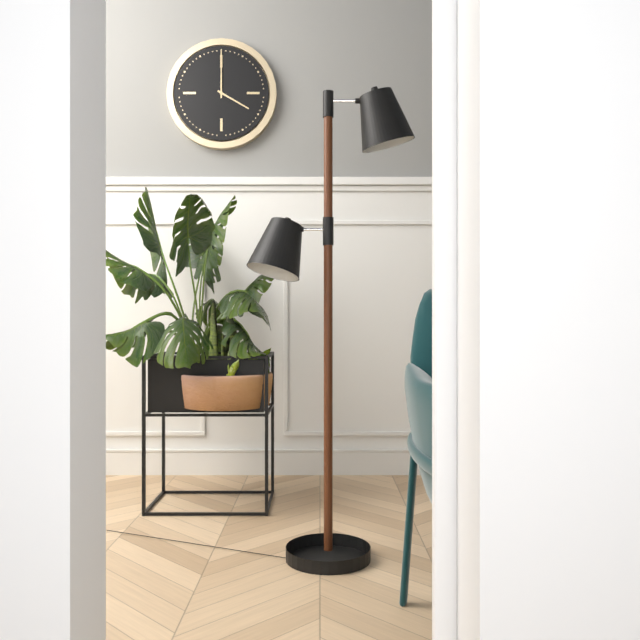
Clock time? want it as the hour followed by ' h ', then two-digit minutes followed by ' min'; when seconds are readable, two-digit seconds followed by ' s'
4 h 00 min
